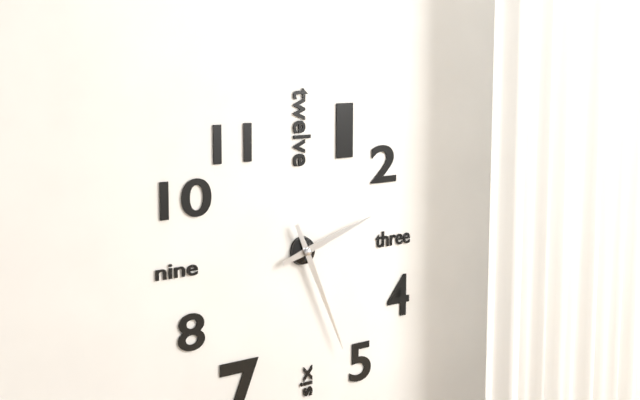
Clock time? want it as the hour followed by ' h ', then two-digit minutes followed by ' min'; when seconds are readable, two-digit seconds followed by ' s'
2 h 26 min
